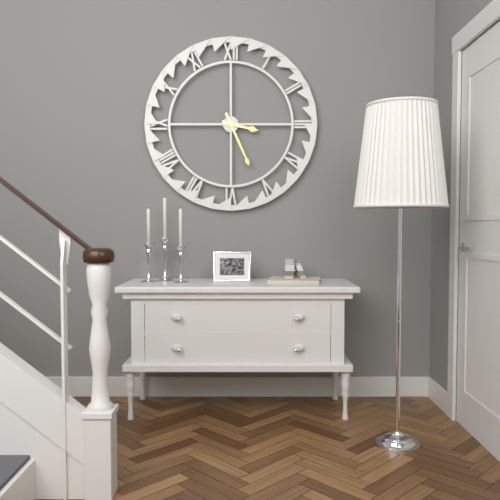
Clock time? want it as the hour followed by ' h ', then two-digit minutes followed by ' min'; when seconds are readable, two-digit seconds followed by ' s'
3 h 26 min
